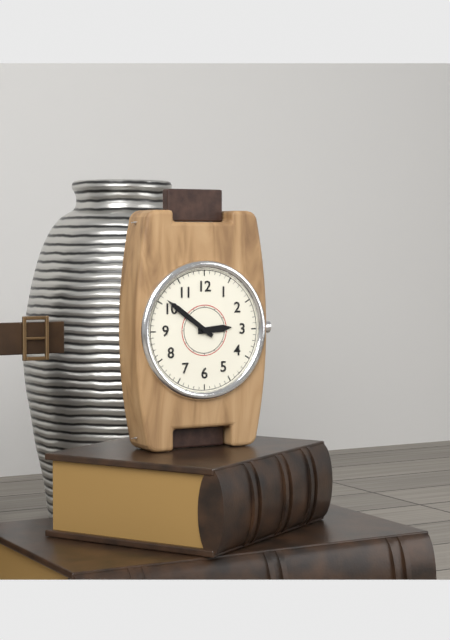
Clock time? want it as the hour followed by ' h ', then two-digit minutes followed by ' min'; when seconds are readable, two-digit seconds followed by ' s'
2 h 51 min
